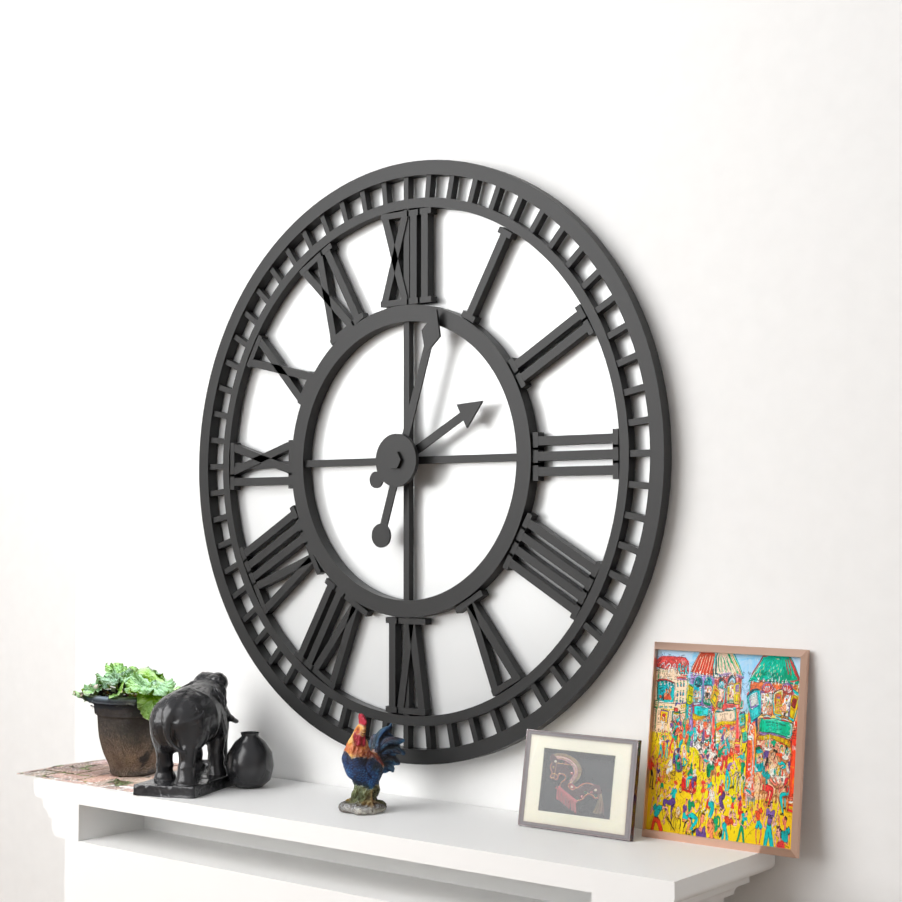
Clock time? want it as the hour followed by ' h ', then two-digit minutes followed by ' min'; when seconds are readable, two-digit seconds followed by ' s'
2 h 03 min
